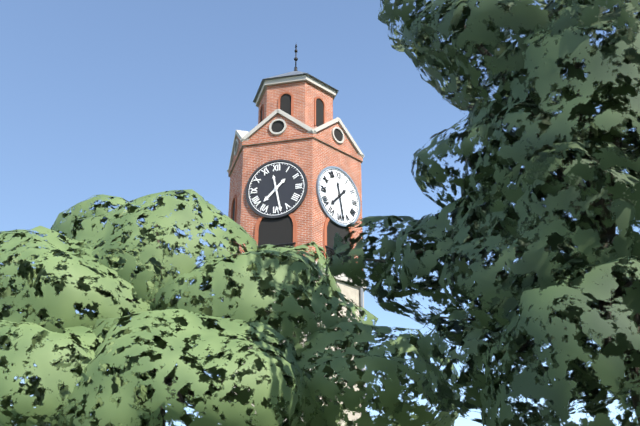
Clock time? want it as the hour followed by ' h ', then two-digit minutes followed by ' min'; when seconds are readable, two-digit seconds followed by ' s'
7 h 28 min
